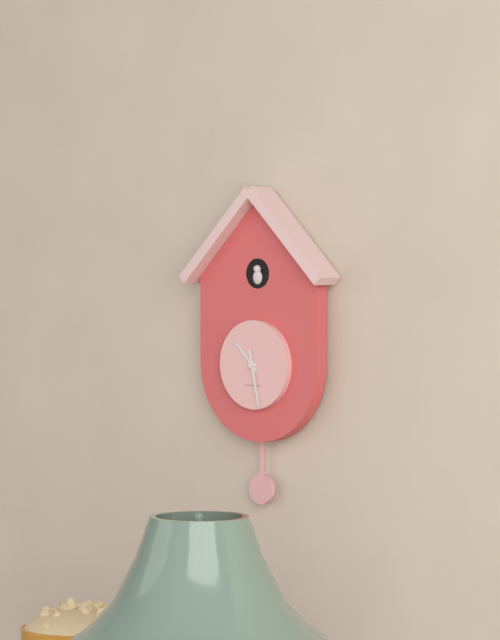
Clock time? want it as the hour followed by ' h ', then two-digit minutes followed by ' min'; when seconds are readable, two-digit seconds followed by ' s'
10 h 28 min
